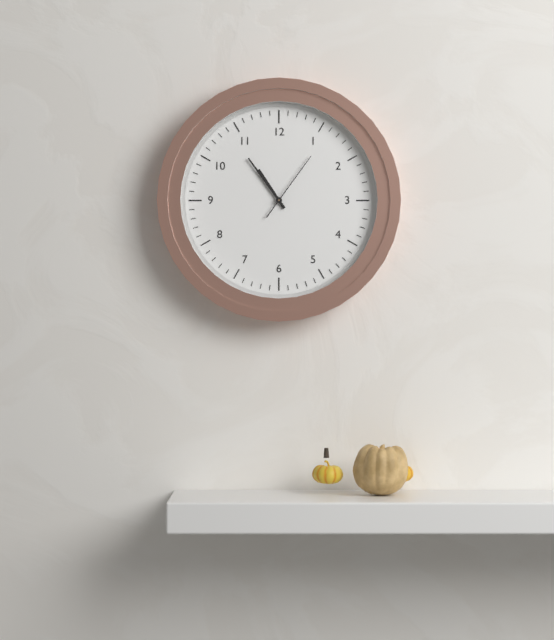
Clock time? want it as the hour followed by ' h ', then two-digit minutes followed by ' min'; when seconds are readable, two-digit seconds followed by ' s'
10 h 54 min 06 s
